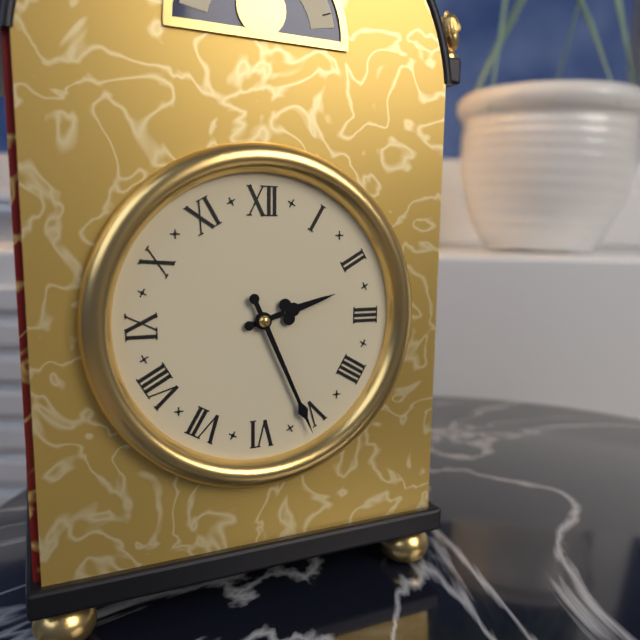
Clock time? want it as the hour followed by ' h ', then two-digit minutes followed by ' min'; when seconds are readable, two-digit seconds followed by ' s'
2 h 26 min
